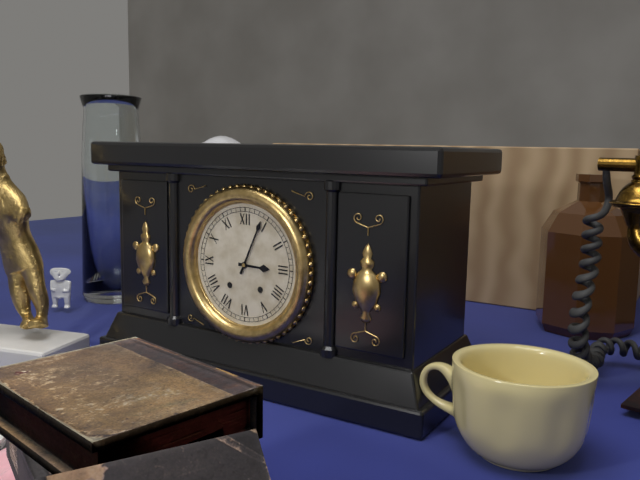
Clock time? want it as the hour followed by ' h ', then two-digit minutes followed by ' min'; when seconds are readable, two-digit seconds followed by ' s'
3 h 04 min
